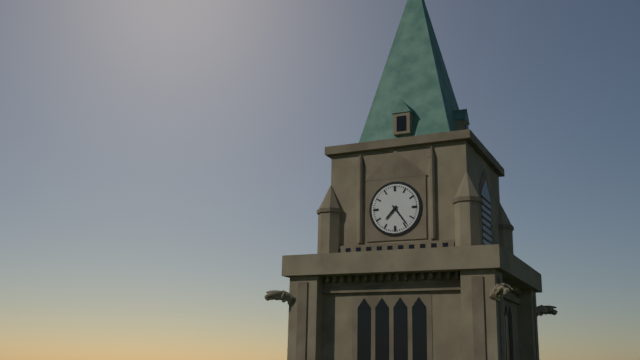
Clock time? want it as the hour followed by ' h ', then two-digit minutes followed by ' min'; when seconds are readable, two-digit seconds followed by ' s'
7 h 24 min
